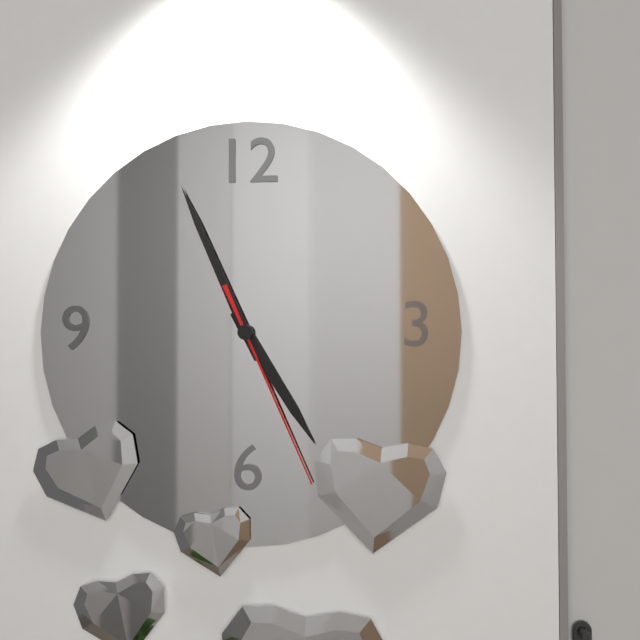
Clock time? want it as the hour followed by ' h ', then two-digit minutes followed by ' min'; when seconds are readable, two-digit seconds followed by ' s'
4 h 56 min 26 s
